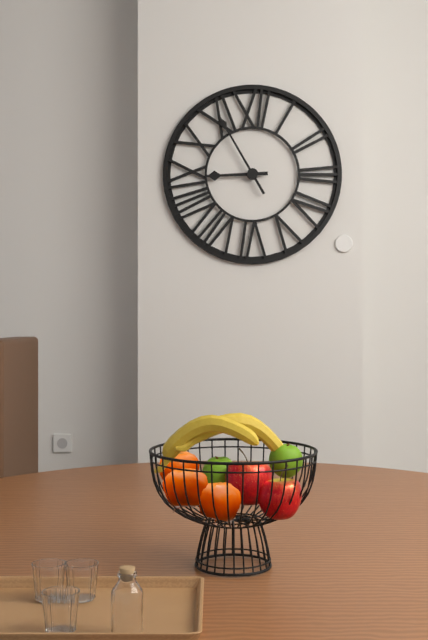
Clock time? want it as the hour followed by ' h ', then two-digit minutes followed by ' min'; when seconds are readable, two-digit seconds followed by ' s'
8 h 55 min
